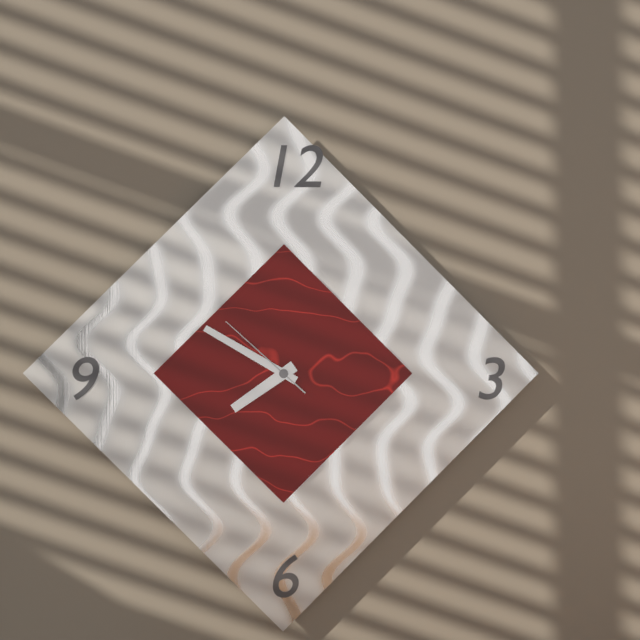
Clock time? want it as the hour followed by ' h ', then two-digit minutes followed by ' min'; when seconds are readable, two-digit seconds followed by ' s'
7 h 50 min 52 s
